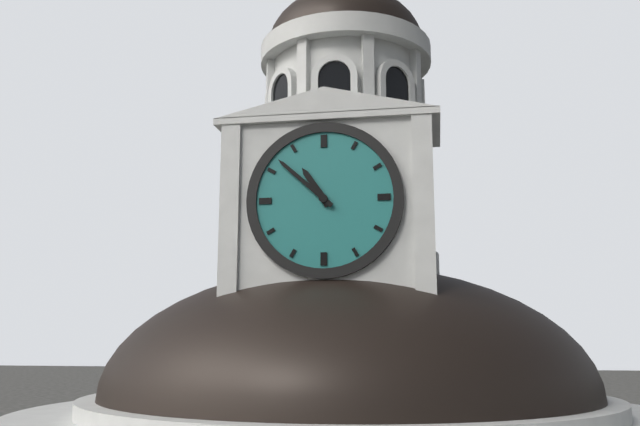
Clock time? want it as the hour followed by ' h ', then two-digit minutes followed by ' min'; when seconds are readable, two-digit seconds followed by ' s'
10 h 52 min
